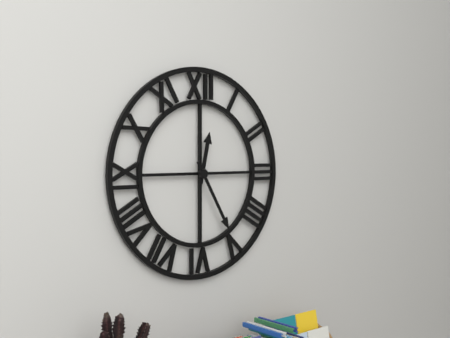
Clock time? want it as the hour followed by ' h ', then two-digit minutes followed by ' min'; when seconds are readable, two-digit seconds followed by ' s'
12 h 25 min
